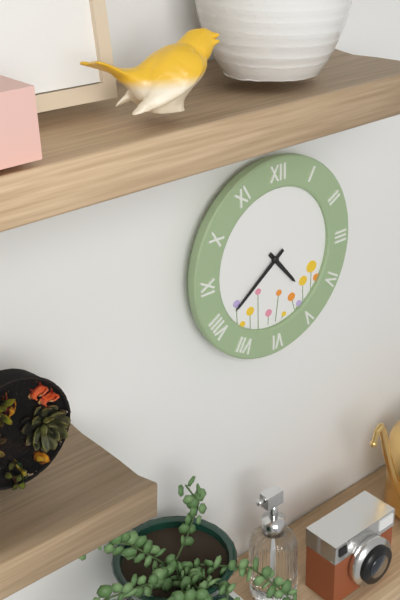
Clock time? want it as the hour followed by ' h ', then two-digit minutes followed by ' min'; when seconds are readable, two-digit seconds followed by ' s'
4 h 39 min
